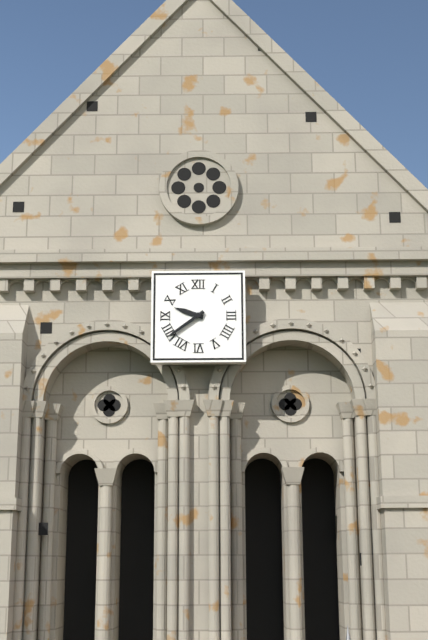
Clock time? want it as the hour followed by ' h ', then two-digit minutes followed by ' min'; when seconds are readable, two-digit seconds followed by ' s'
9 h 39 min
